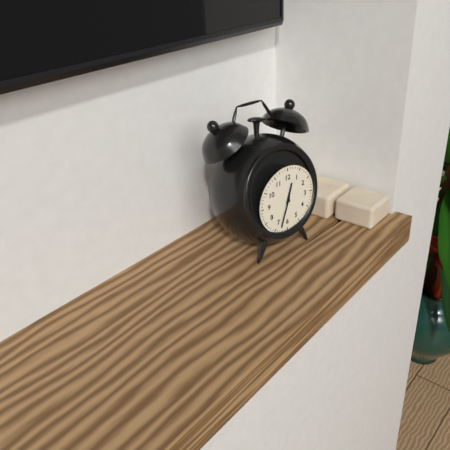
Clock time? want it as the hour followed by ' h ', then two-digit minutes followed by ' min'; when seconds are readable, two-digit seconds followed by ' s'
12 h 33 min
